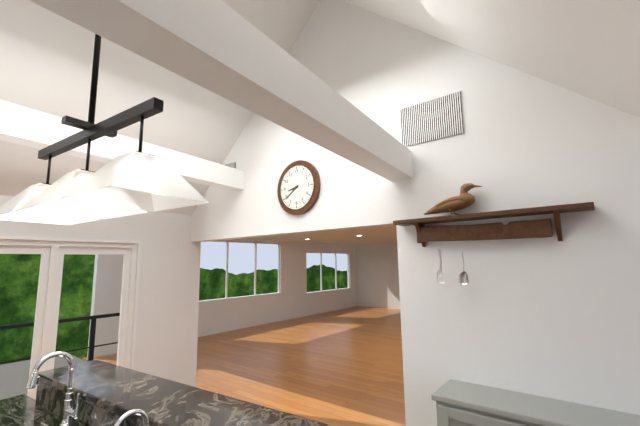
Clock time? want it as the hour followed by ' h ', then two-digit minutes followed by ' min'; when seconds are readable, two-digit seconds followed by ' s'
8 h 39 min
